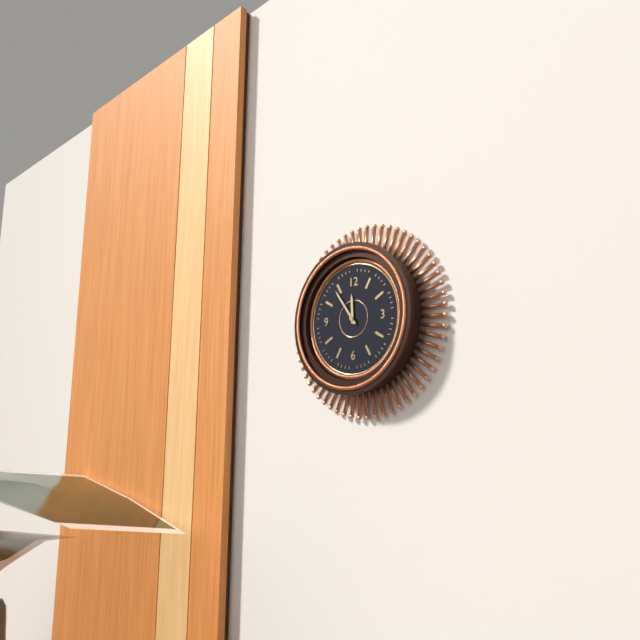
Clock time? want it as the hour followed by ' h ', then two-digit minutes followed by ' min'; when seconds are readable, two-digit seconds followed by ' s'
11 h 54 min
